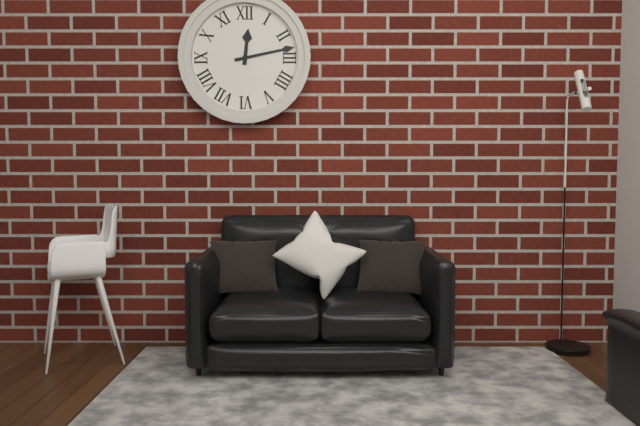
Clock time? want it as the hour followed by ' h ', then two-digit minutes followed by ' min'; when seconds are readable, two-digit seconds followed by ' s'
12 h 13 min
